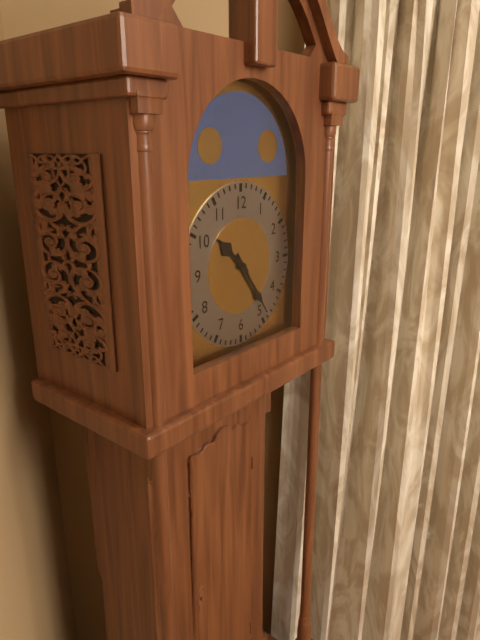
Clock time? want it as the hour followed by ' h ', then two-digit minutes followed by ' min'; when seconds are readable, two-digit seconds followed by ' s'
10 h 24 min
